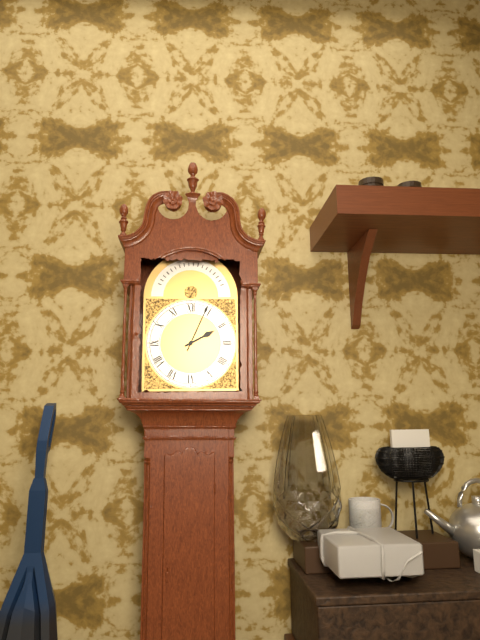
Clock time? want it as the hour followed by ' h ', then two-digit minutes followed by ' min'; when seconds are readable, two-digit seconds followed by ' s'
2 h 04 min
